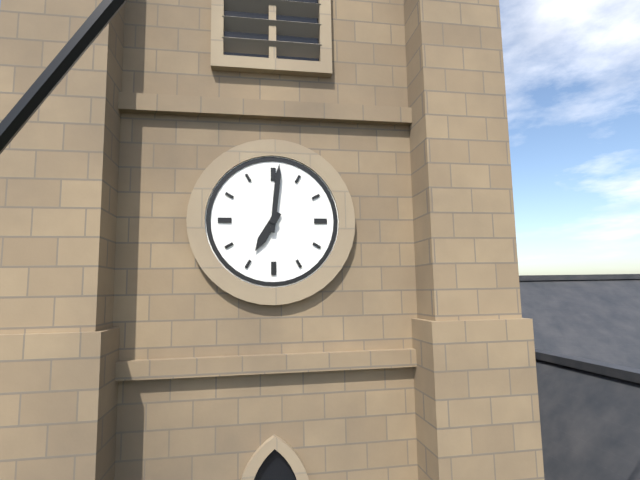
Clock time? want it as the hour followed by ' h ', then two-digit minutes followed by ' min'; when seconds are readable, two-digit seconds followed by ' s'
7 h 01 min
